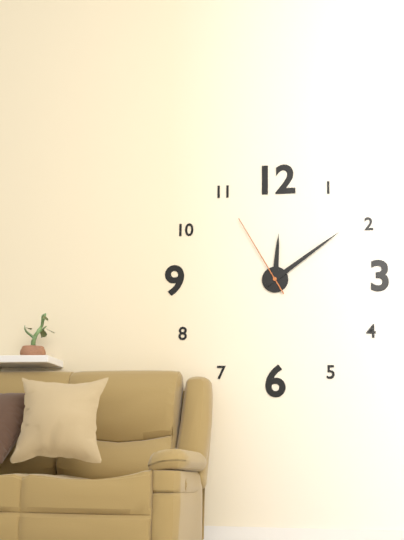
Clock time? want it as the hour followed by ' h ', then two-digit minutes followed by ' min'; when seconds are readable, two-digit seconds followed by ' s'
12 h 09 min 55 s
